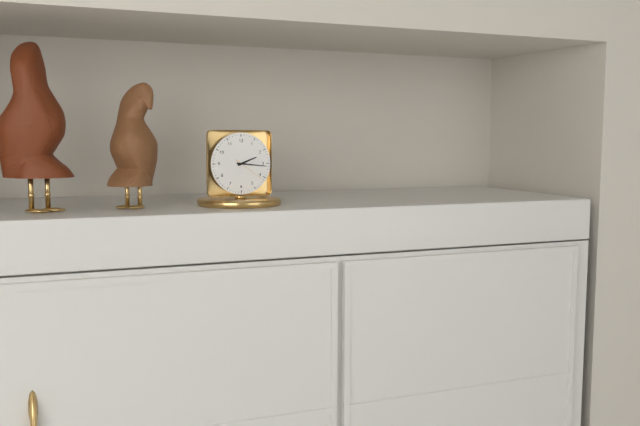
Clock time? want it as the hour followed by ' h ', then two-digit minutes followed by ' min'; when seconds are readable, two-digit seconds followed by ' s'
2 h 16 min
